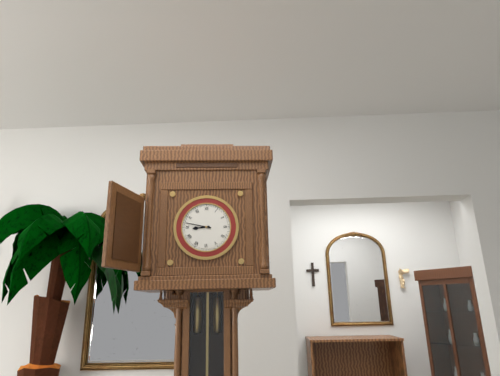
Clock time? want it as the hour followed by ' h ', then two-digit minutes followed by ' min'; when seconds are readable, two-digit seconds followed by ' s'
8 h 47 min
